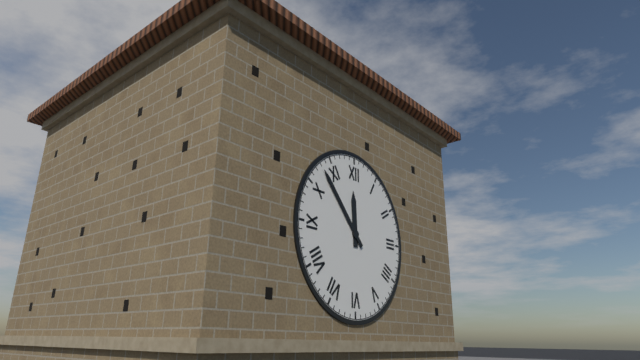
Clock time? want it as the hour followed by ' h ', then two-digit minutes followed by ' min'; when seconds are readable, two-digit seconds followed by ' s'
11 h 53 min
